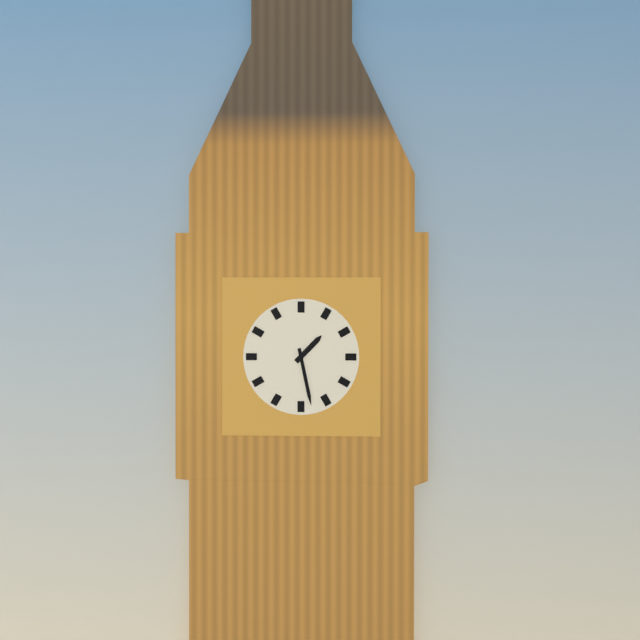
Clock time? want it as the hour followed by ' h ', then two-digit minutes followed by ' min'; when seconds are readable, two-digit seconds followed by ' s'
1 h 28 min
